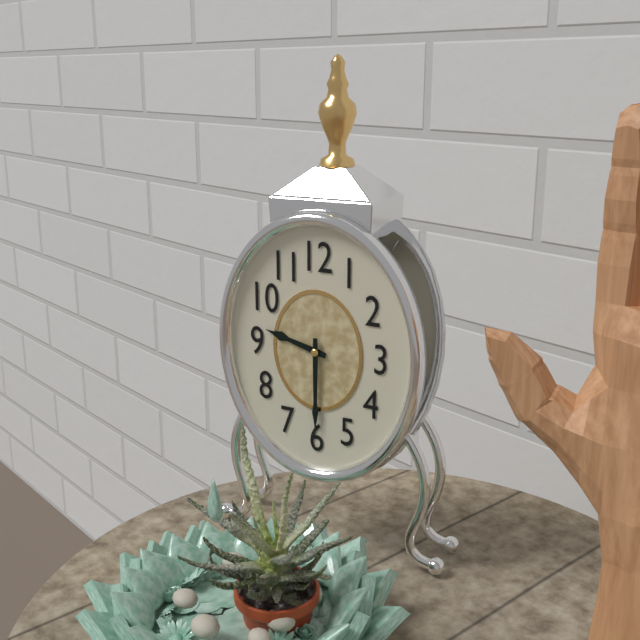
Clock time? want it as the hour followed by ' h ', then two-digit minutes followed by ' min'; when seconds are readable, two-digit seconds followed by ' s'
9 h 30 min
